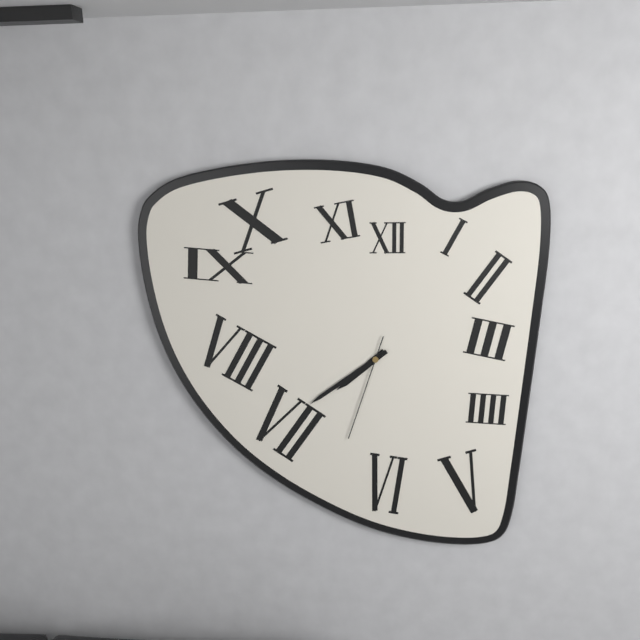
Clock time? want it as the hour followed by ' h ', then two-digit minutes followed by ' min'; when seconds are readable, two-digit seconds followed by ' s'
7 h 39 min 33 s
